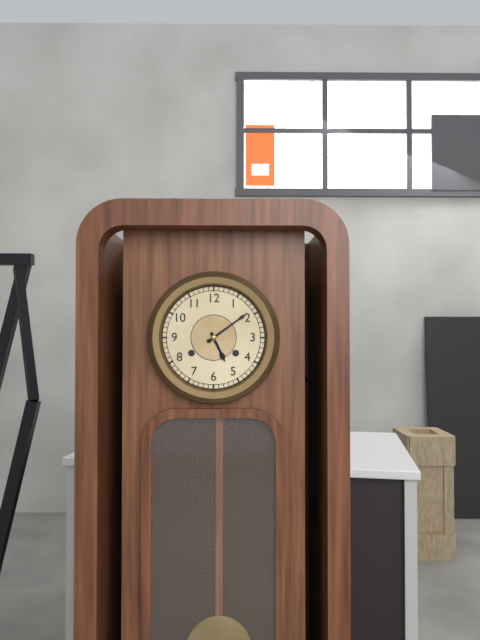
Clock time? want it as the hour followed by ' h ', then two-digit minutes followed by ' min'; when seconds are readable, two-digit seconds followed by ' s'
5 h 09 min
